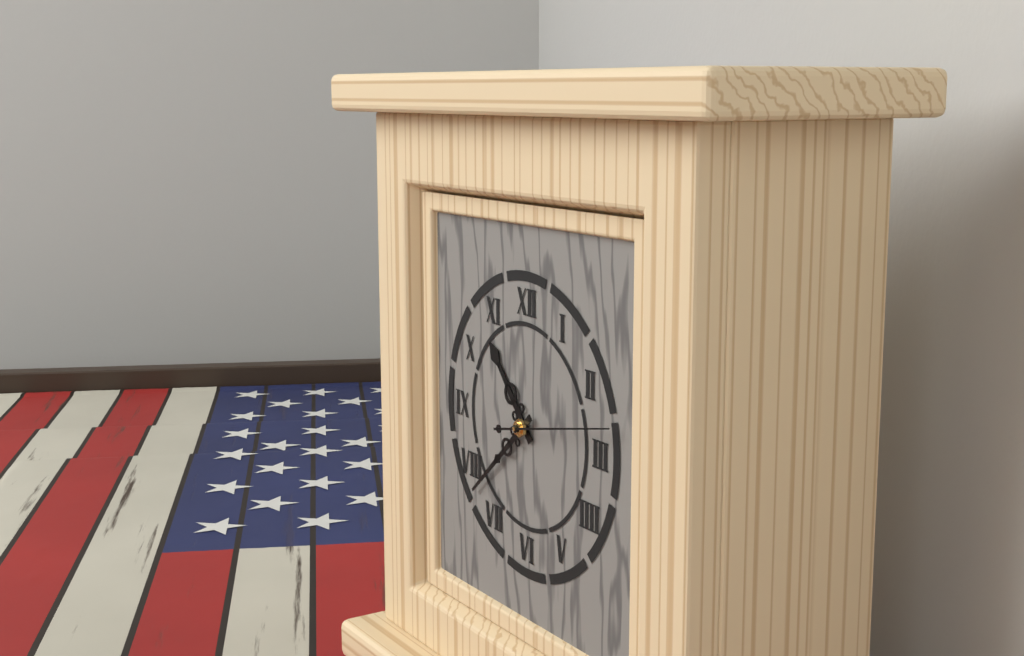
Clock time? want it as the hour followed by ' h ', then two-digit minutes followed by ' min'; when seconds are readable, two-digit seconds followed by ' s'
10 h 38 min 13 s
